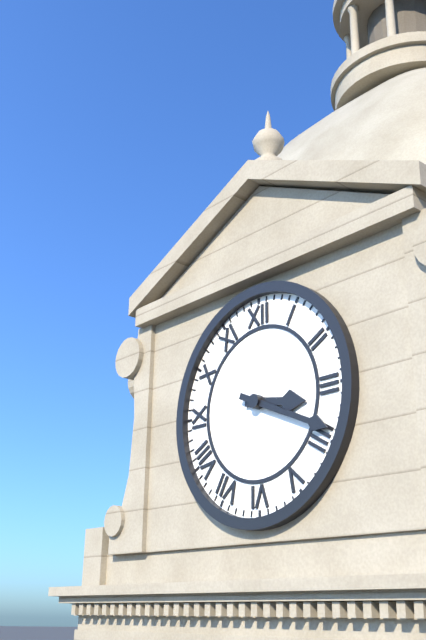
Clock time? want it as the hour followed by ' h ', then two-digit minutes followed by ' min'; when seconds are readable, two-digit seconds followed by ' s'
3 h 19 min
